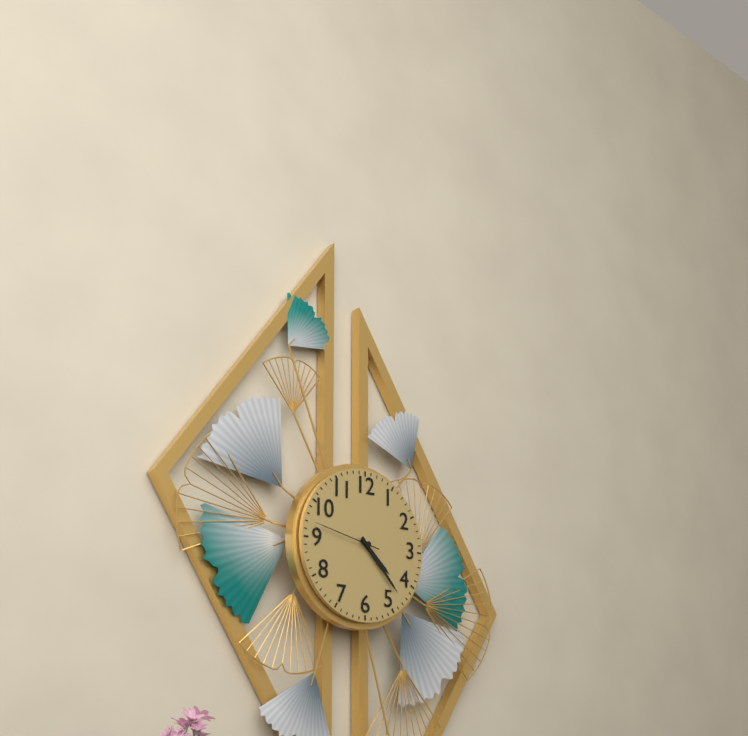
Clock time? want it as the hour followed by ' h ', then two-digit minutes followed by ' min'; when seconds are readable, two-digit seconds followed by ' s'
4 h 23 min 47 s
